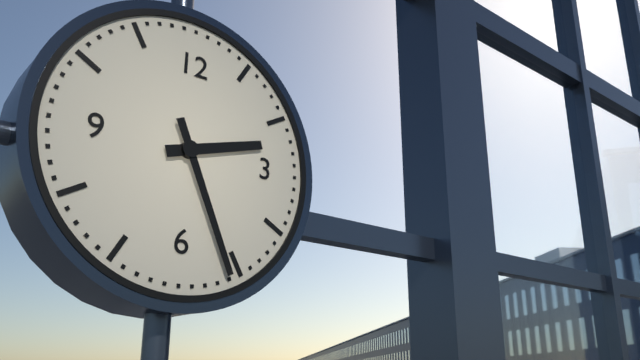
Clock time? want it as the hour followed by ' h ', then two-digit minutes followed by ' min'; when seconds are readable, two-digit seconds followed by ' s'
2 h 26 min
